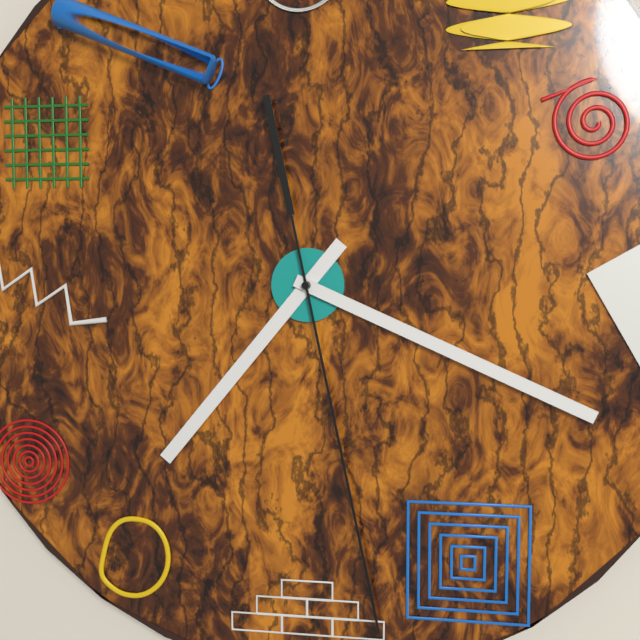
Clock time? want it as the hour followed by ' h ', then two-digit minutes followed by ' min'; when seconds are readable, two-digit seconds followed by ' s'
7 h 19 min 28 s
